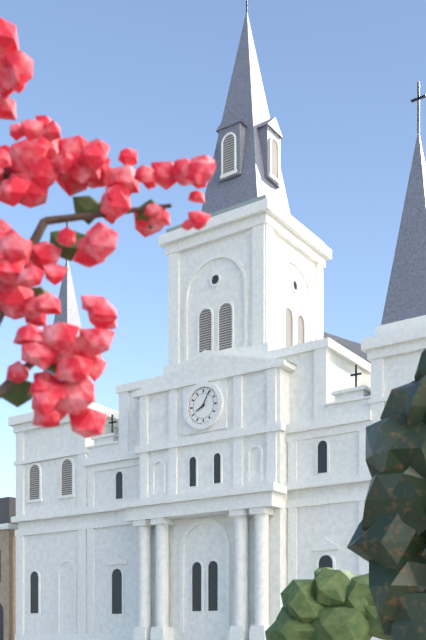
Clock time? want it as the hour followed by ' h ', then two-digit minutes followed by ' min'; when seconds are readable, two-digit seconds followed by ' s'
8 h 05 min
